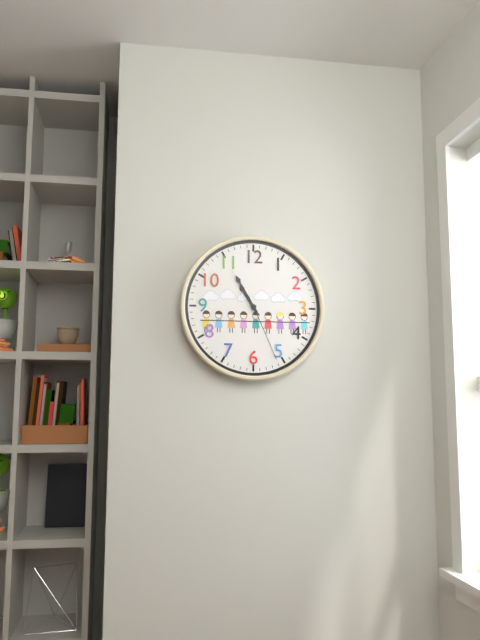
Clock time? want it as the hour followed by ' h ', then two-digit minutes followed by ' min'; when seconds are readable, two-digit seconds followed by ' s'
10 h 55 min 26 s
